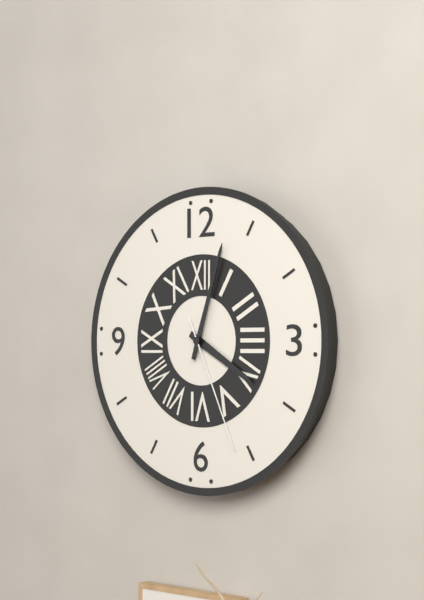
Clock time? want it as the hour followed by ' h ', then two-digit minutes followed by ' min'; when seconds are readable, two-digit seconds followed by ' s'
4 h 03 min 26 s
